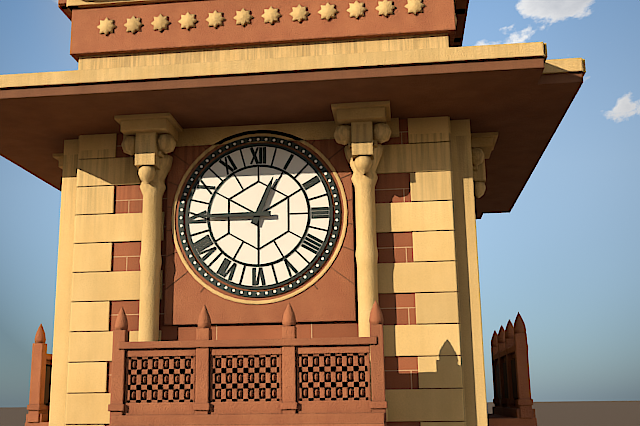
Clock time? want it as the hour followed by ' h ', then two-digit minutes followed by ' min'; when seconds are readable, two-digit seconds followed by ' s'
12 h 45 min
